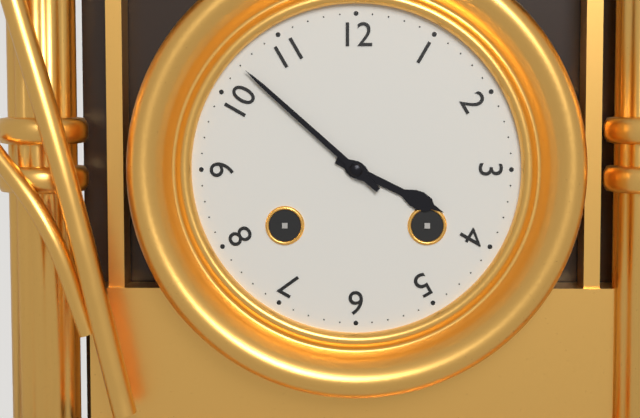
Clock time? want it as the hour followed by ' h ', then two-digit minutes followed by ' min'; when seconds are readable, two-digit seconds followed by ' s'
3 h 52 min
